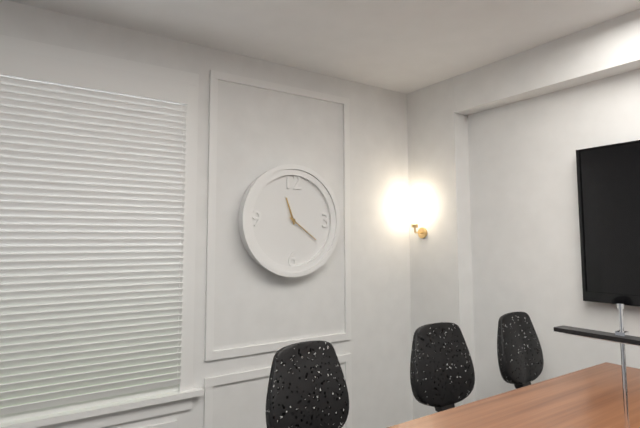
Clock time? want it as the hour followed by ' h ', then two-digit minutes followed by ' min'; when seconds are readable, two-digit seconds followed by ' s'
11 h 21 min
